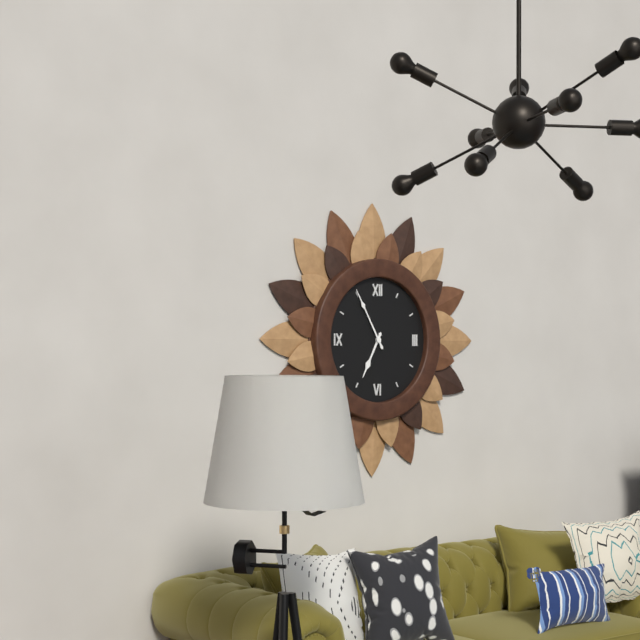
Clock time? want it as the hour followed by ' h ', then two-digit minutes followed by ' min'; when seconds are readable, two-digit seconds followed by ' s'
6 h 55 min
